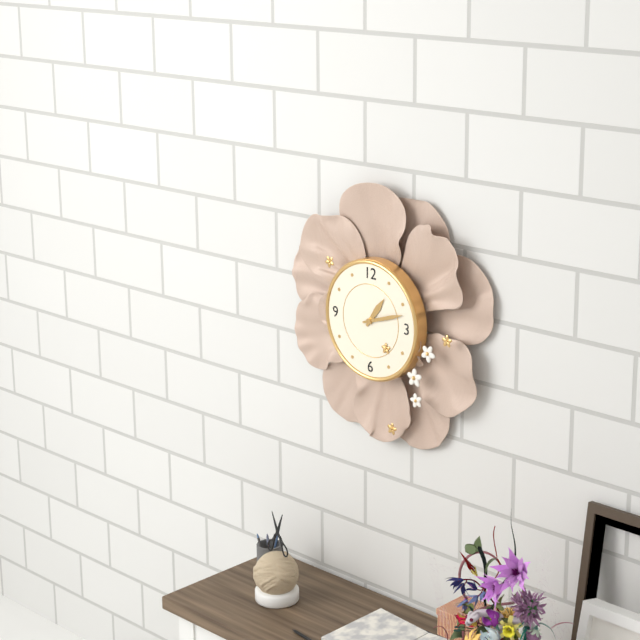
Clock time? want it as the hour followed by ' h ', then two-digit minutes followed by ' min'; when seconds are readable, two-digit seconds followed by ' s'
1 h 12 min
